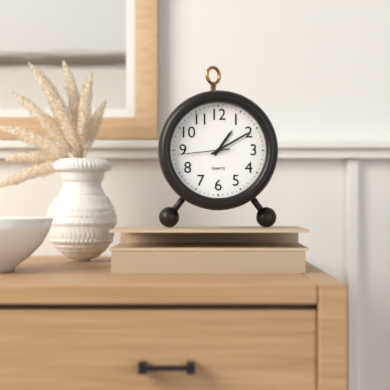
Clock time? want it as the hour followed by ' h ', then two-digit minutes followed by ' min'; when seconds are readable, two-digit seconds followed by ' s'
1 h 10 min
